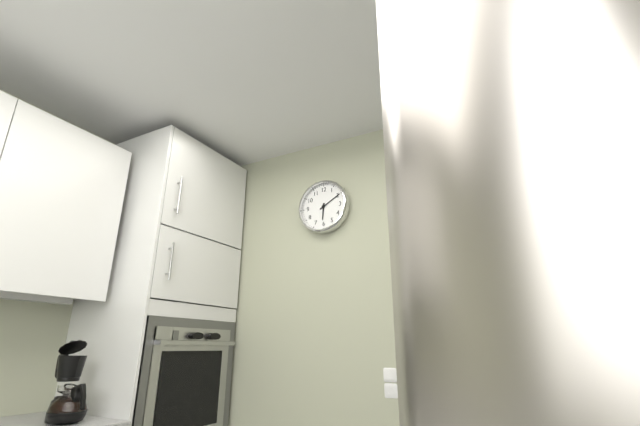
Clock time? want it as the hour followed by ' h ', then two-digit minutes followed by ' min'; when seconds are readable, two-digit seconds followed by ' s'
6 h 10 min
